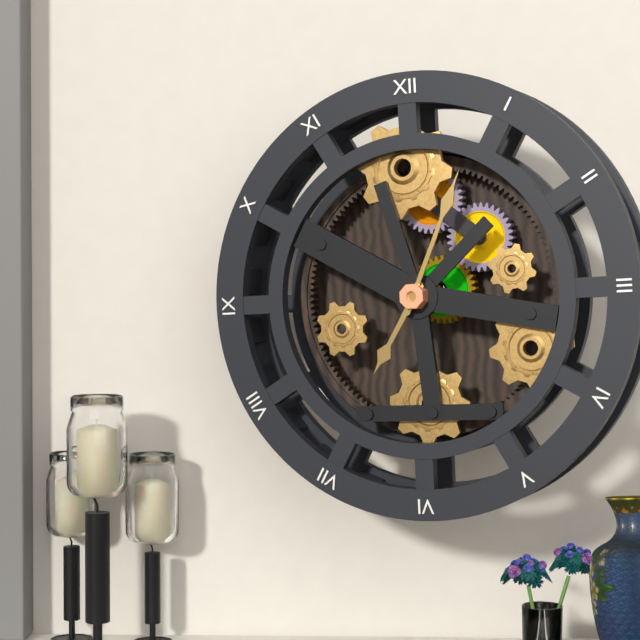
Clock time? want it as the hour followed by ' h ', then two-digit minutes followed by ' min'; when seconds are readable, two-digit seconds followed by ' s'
7 h 04 min
